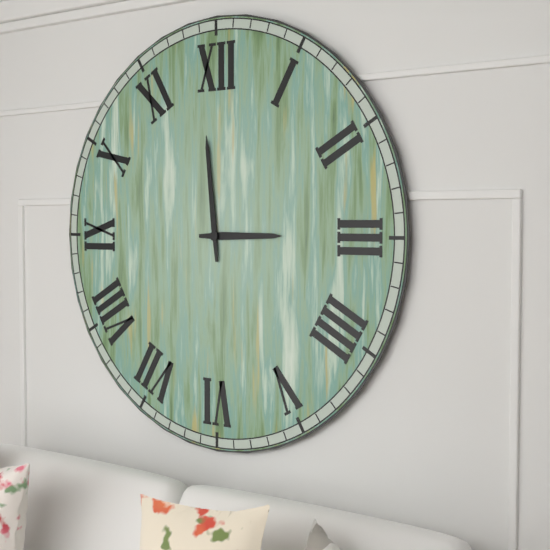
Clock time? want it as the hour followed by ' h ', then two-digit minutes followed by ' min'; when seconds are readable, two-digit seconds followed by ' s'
2 h 59 min
